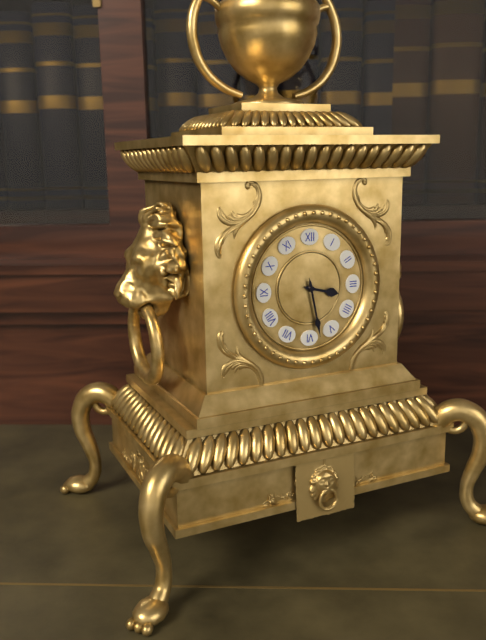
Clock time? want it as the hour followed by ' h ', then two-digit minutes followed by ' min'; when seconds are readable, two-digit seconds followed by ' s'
3 h 28 min
